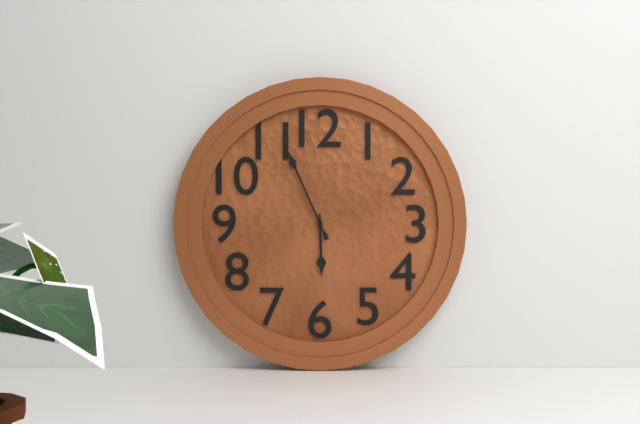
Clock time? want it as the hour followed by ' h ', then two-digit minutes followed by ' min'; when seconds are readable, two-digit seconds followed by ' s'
5 h 56 min
